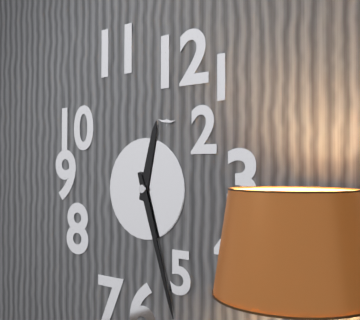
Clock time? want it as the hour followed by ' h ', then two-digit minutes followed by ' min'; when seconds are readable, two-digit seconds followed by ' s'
12 h 27 min
